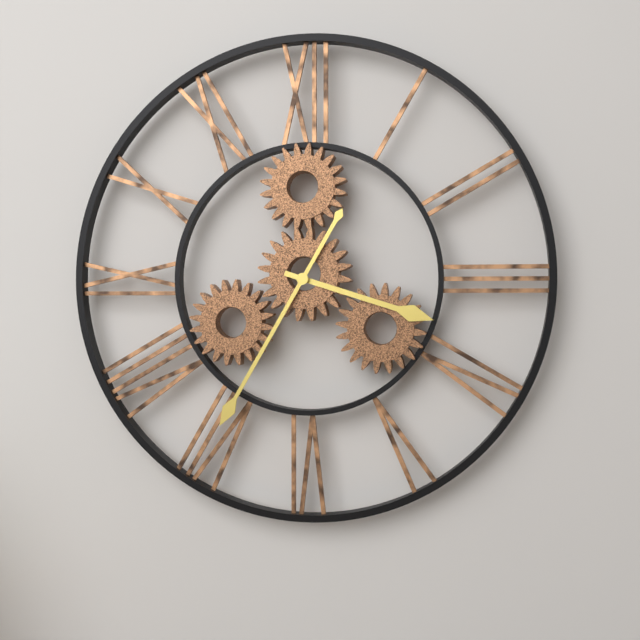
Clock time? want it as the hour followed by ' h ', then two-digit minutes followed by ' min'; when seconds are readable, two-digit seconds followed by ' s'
3 h 35 min
